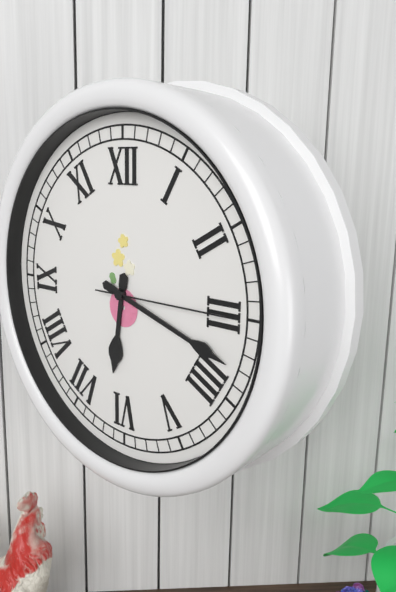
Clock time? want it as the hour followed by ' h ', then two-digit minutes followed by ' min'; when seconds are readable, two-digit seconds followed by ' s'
6 h 18 min 15 s
